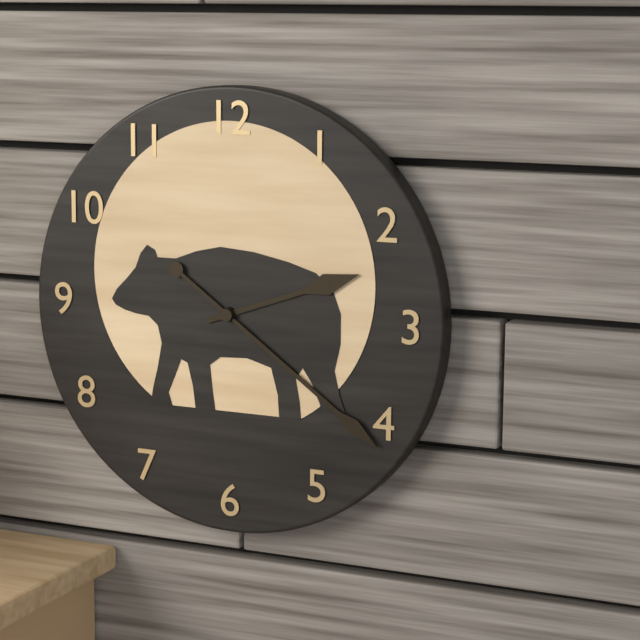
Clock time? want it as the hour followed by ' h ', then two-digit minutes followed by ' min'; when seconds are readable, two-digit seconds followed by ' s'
2 h 21 min
